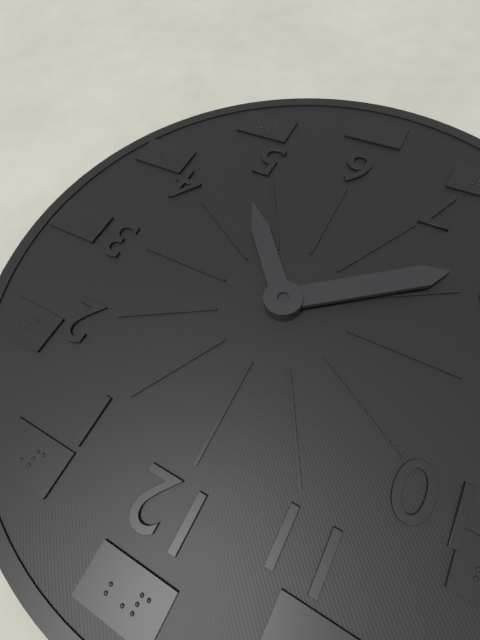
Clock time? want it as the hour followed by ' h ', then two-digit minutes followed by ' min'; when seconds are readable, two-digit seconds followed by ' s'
4 h 39 min
